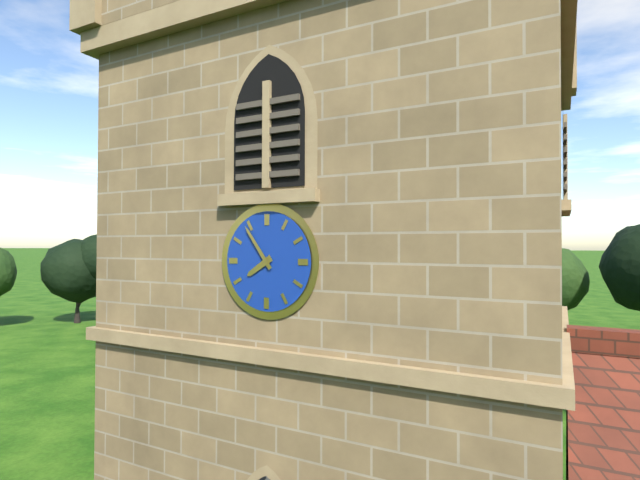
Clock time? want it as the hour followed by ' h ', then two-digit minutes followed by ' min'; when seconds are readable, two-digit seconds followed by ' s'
7 h 54 min
